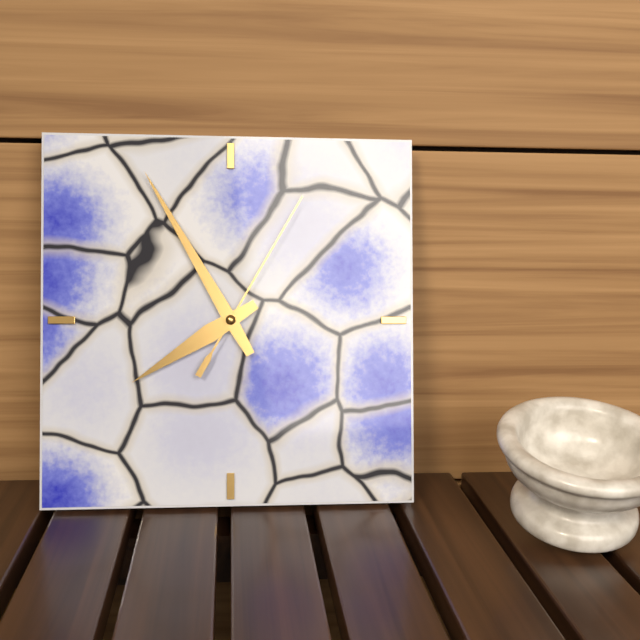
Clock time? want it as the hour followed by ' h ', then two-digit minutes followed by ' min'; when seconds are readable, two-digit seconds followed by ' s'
7 h 55 min 05 s
